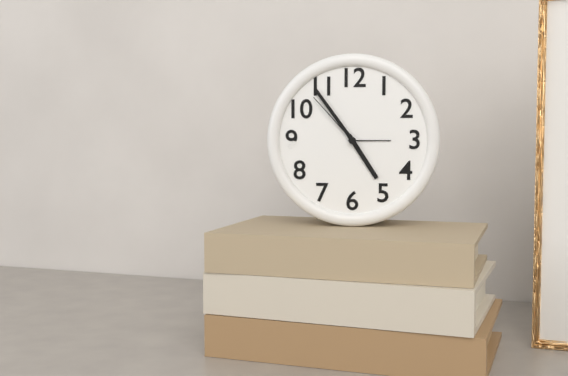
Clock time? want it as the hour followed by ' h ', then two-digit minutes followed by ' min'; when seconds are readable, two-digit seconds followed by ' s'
4 h 54 min 53 s
